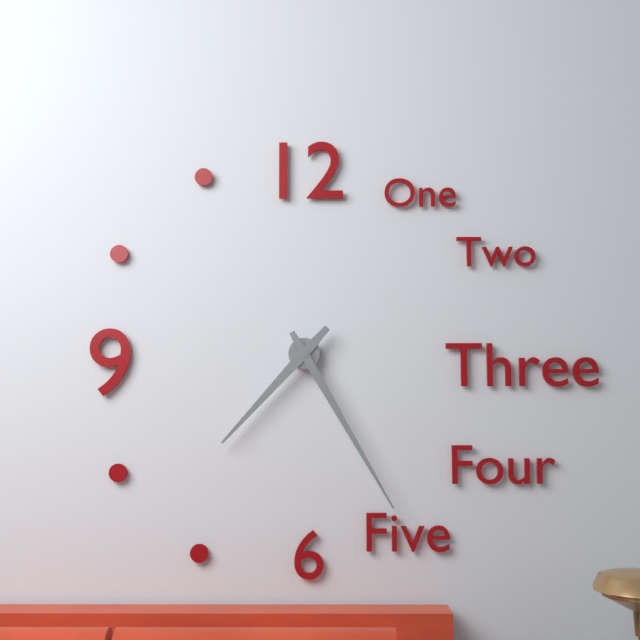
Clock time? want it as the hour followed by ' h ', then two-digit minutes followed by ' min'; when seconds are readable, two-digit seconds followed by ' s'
7 h 25 min
